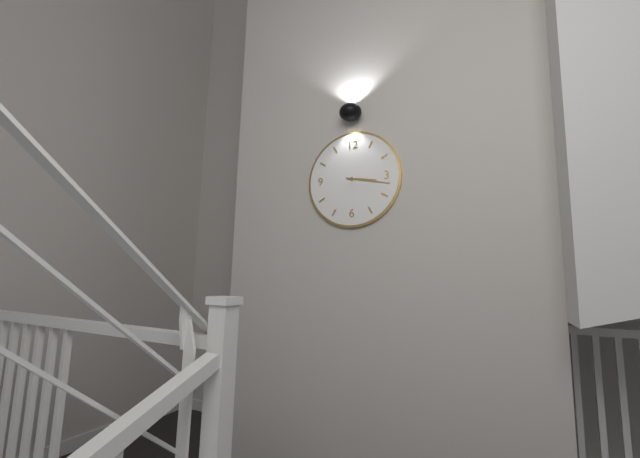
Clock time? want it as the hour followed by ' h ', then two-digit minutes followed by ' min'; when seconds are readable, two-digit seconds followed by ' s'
3 h 17 min
